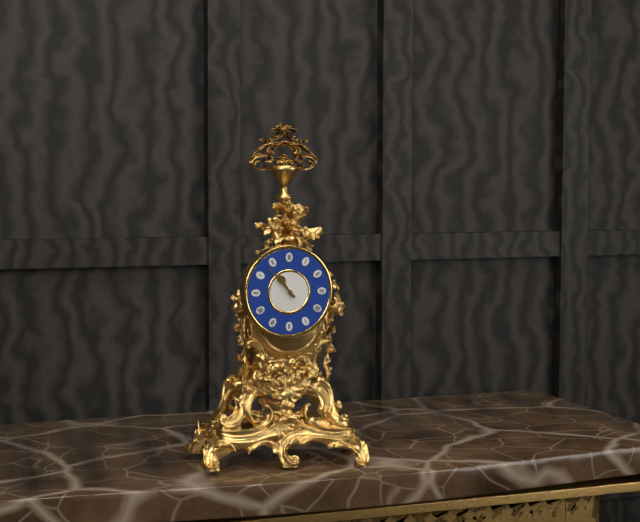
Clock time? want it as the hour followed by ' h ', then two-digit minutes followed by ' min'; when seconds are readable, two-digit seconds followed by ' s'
10 h 53 min
